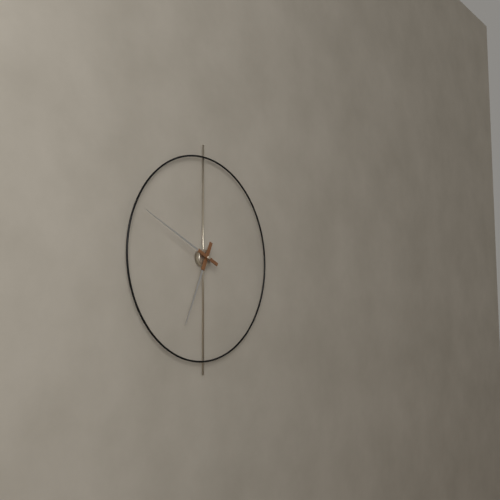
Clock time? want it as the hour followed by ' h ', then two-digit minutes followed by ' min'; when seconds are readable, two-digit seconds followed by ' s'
6 h 49 min
